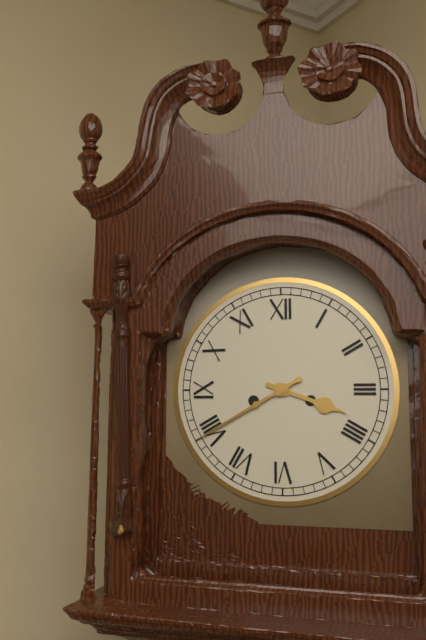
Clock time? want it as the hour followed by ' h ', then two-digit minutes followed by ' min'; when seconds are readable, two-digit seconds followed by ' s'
3 h 40 min
